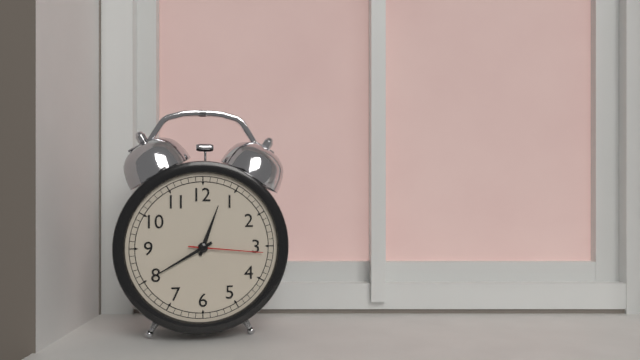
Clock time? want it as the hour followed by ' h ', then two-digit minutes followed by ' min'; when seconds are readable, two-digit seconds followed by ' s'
12 h 40 min 16 s
